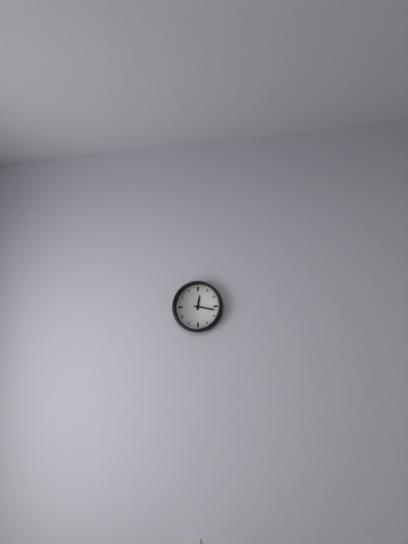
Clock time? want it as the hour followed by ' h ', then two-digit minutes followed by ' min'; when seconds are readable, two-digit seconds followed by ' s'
12 h 17 min
